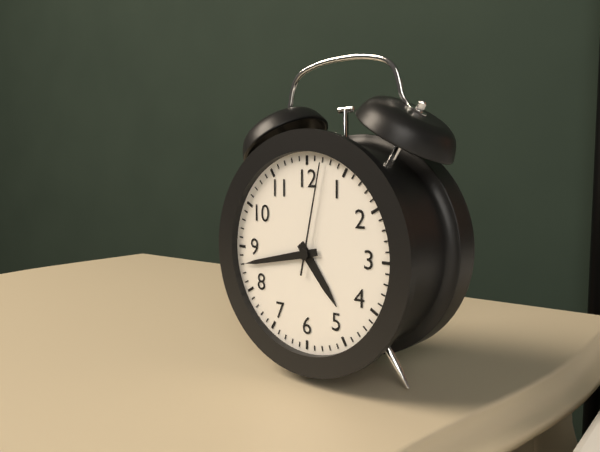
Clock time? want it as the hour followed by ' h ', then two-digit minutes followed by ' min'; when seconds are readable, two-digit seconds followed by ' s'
4 h 43 min 02 s
